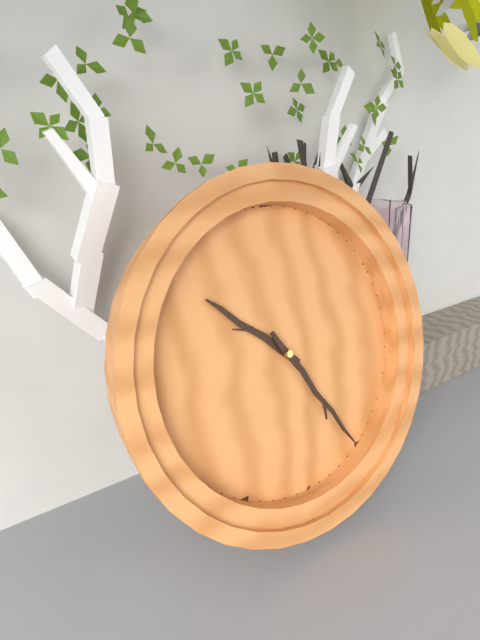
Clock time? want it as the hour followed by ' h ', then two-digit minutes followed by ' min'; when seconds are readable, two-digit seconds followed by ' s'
10 h 25 min
